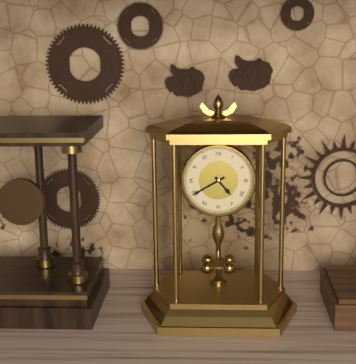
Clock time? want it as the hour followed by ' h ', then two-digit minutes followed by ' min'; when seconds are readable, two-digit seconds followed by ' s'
4 h 40 min
